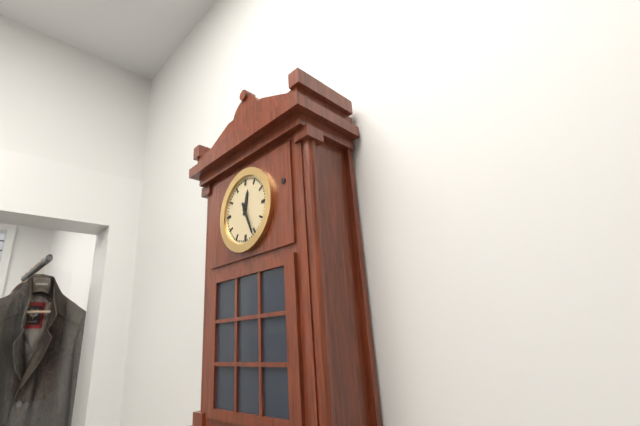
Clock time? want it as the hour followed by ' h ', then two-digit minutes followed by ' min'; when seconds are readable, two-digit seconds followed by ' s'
12 h 26 min
